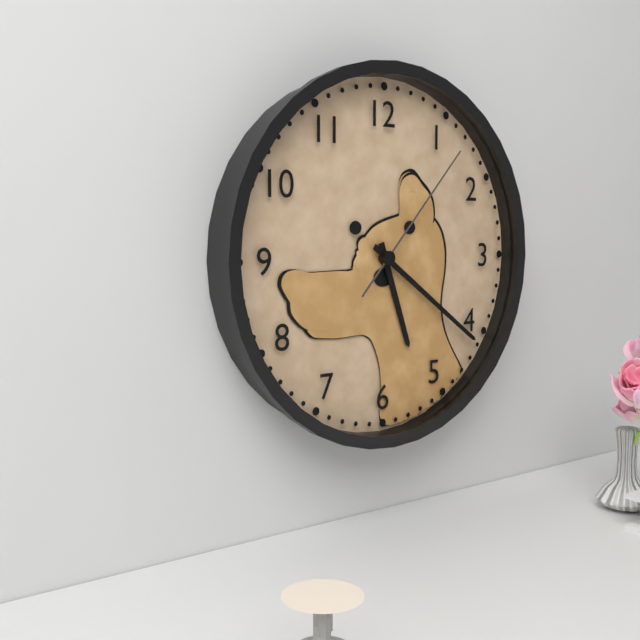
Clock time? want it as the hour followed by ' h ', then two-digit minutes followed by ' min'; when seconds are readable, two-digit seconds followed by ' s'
5 h 21 min 07 s
